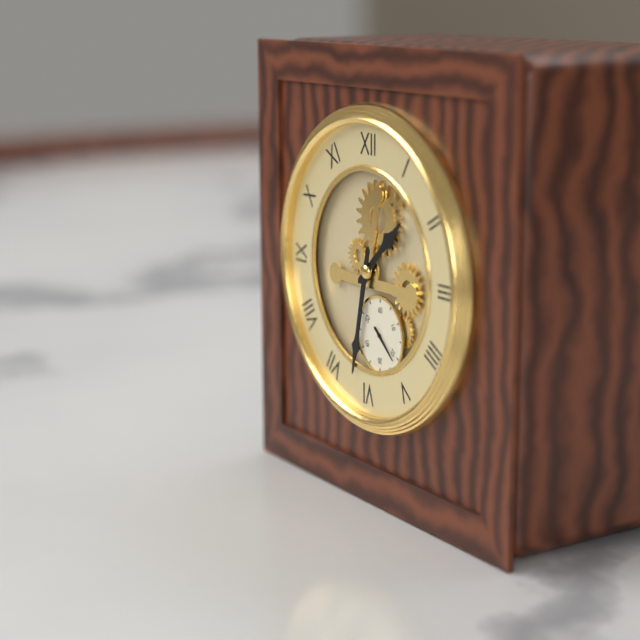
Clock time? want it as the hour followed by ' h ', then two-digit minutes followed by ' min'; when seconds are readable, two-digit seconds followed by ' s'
1 h 32 min
